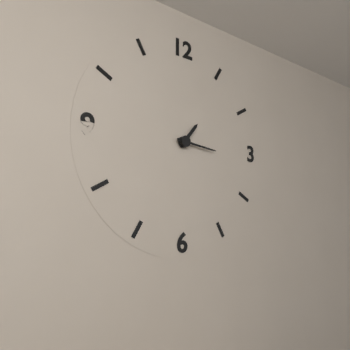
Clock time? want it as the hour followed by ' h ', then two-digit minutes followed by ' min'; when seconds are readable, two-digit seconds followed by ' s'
1 h 16 min
